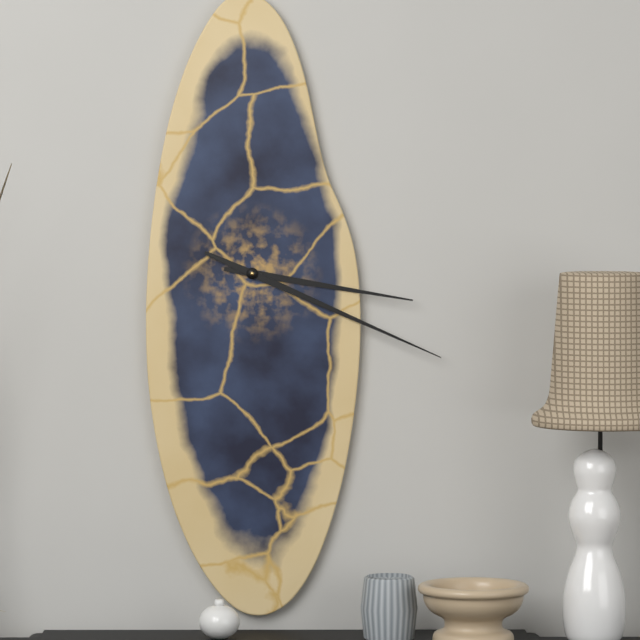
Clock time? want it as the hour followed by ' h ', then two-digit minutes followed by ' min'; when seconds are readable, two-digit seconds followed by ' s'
3 h 19 min
